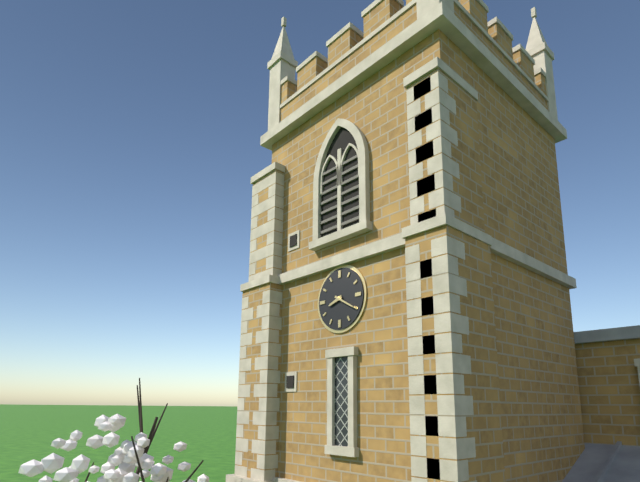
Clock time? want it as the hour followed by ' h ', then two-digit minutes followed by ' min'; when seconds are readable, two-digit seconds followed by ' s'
8 h 20 min
